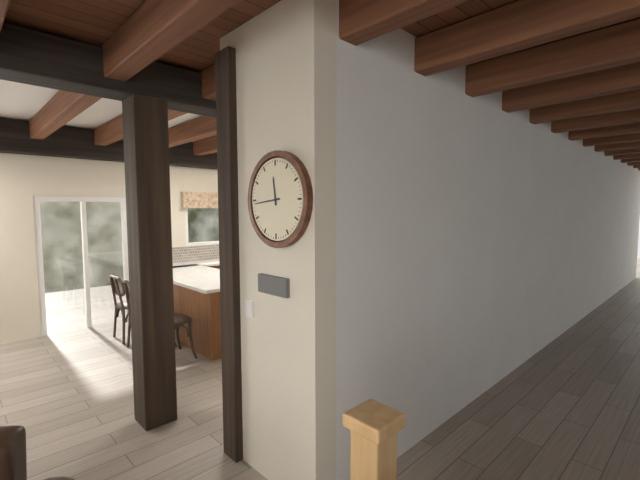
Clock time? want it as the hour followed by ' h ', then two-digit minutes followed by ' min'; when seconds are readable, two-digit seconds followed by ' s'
11 h 44 min
